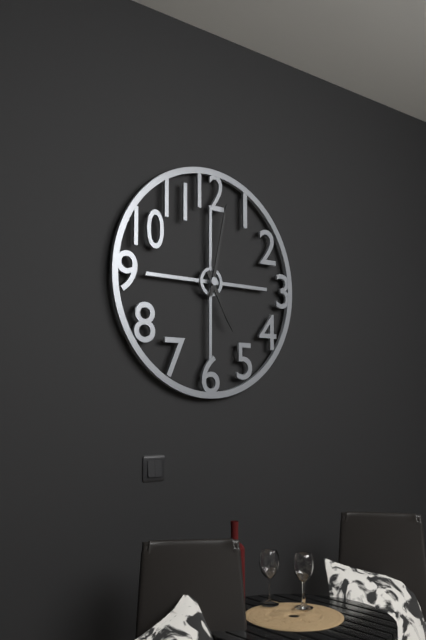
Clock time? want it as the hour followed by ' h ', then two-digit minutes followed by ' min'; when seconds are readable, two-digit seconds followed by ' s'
5 h 02 min
